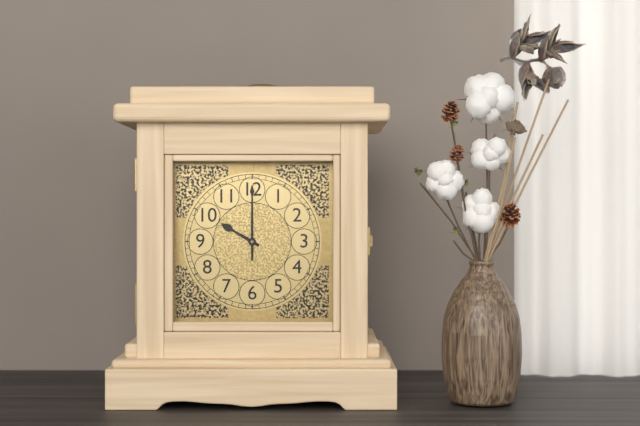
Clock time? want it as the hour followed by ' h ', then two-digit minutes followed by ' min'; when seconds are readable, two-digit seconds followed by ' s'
10 h 00 min
